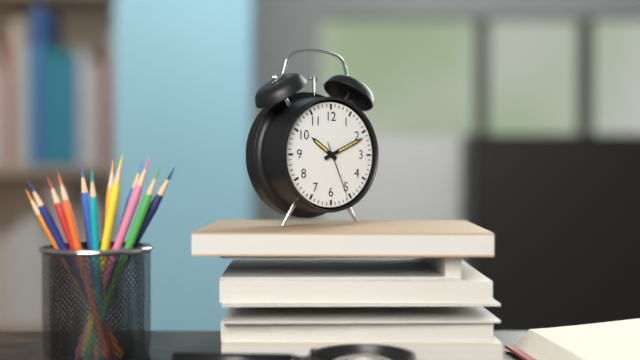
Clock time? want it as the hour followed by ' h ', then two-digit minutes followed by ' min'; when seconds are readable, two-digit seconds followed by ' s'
10 h 11 min 26 s
